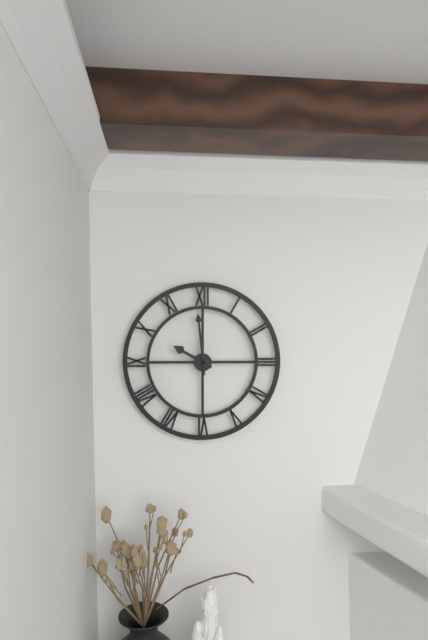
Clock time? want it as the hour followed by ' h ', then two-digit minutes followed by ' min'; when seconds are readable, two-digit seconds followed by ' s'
9 h 59 min
